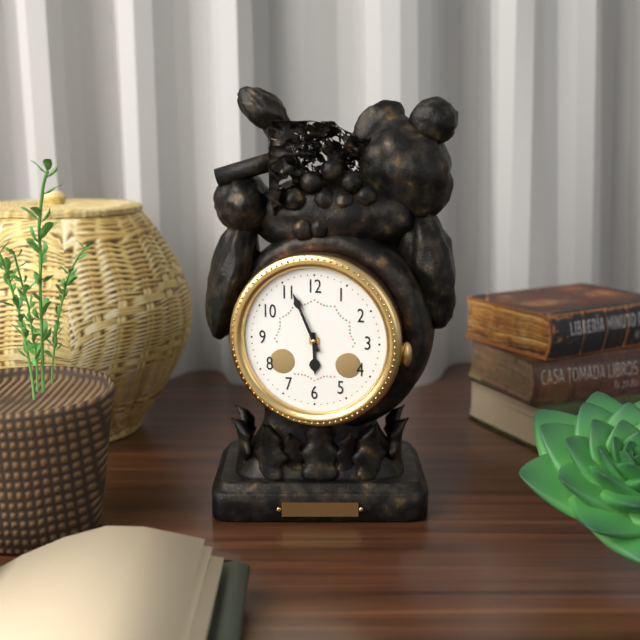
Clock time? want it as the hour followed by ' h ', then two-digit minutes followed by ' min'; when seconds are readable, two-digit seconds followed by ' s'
5 h 56 min
